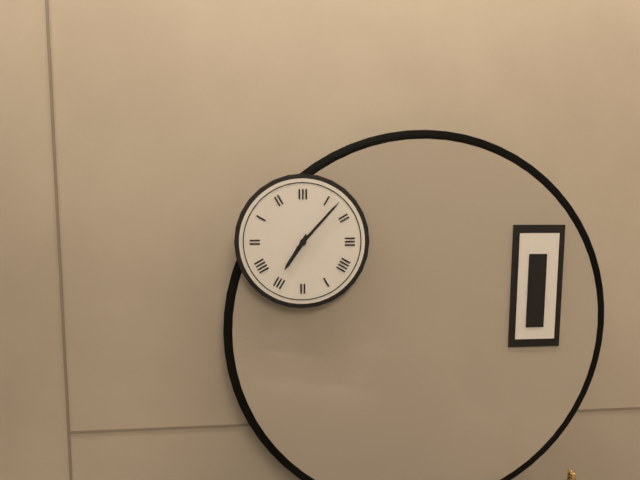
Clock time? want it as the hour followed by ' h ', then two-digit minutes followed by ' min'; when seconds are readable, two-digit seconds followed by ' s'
7 h 07 min
